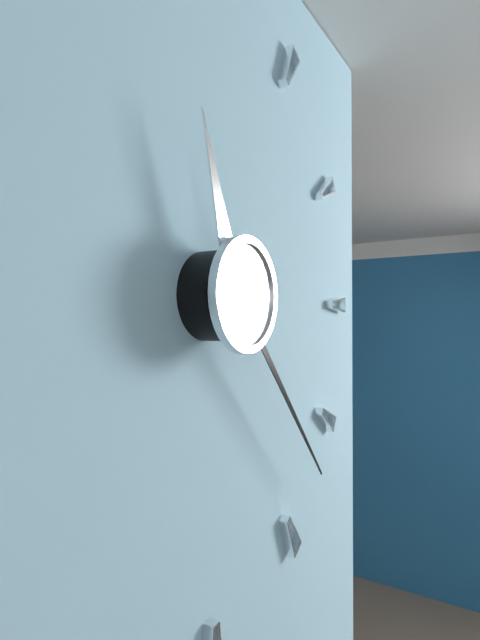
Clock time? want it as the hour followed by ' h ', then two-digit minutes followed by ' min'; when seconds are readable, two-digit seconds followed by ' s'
11 h 23 min
